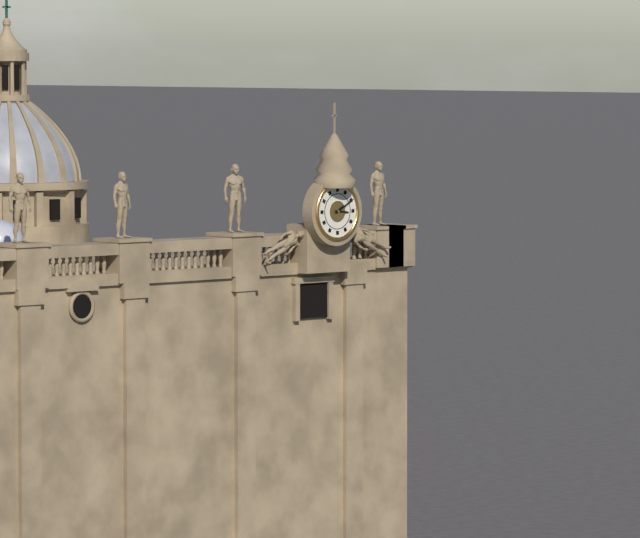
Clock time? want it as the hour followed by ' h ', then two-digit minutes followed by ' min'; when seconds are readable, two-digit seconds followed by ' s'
3 h 10 min
